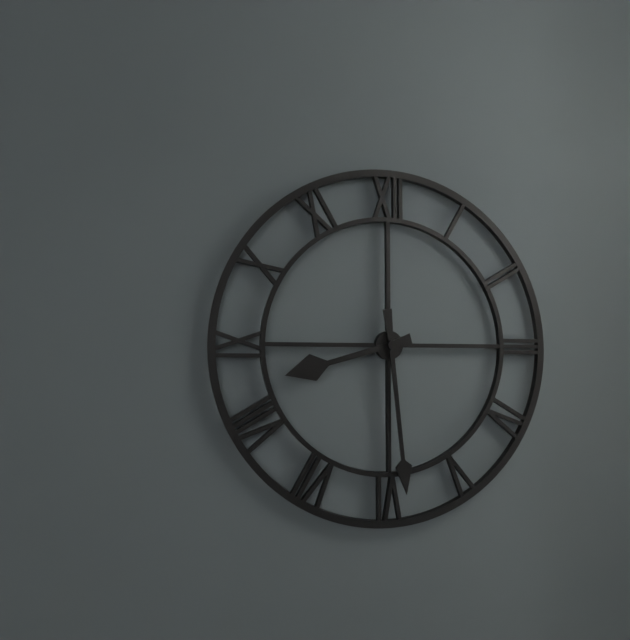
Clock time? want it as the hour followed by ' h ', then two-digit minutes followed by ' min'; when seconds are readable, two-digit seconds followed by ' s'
8 h 29 min
